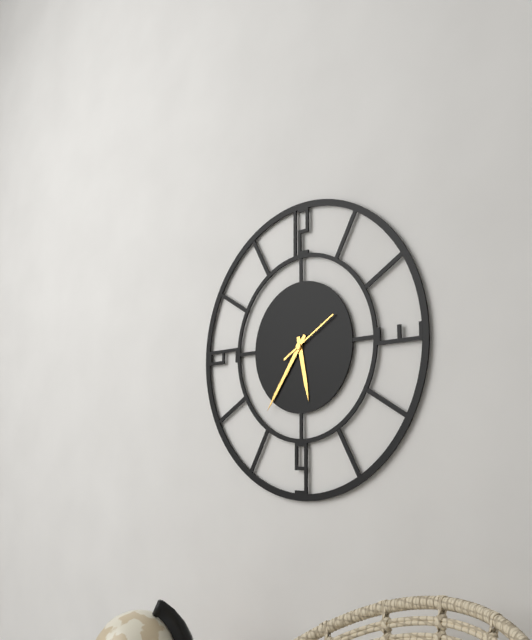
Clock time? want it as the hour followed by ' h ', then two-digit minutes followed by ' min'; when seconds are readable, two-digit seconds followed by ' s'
5 h 36 min 10 s
